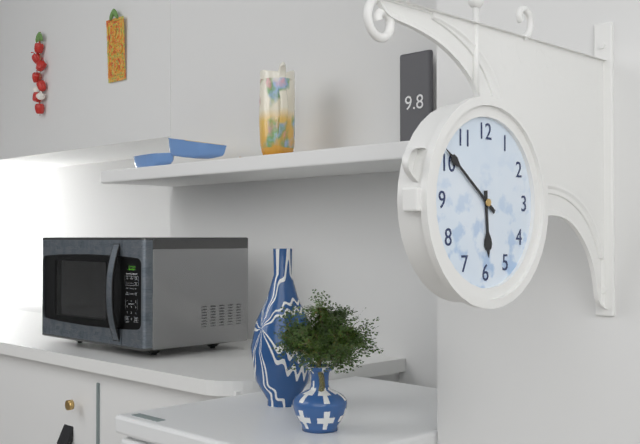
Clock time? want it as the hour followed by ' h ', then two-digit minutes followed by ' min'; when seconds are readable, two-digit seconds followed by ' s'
5 h 51 min
